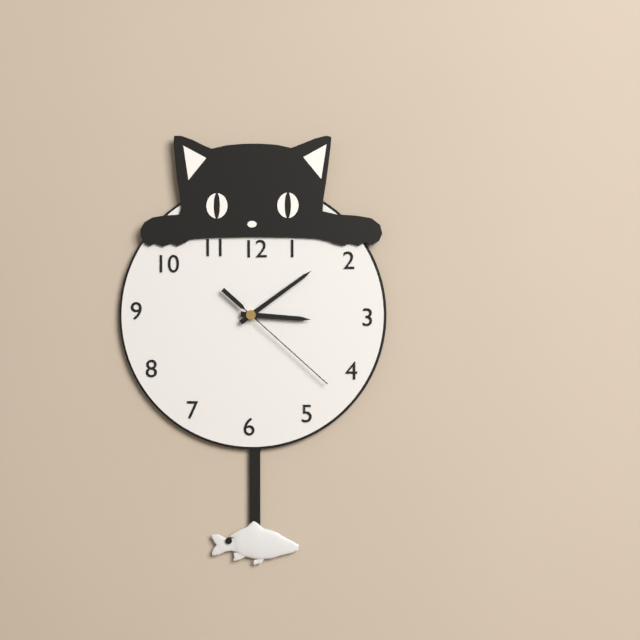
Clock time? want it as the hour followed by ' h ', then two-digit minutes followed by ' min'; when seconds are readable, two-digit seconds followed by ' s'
3 h 09 min 22 s
